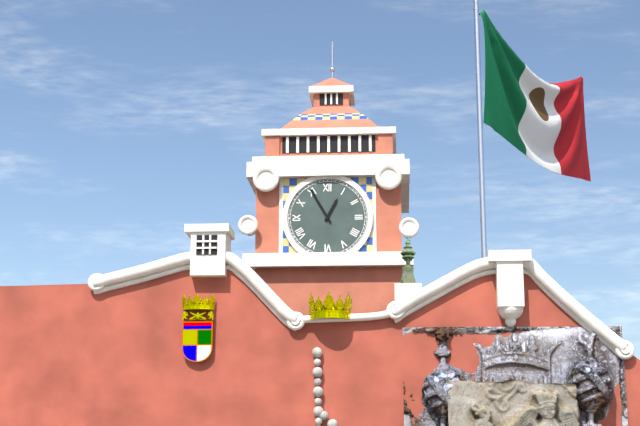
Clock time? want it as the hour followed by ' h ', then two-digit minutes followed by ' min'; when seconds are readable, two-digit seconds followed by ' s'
12 h 55 min
